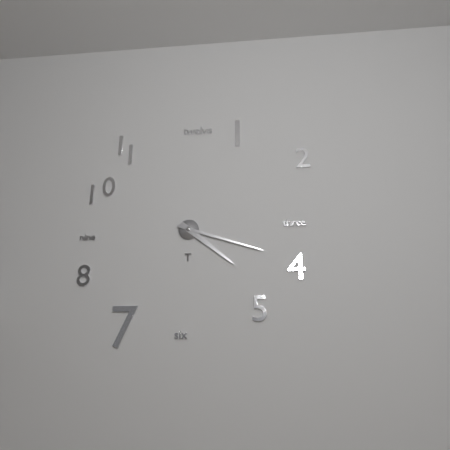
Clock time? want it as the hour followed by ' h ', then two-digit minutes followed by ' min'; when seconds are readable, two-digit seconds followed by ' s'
4 h 18 min
